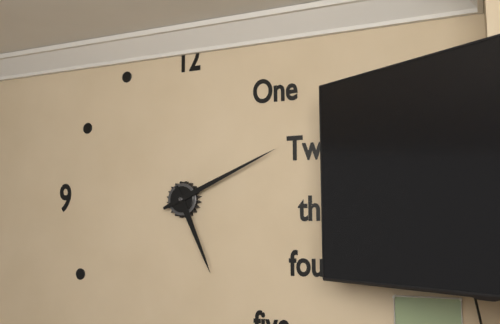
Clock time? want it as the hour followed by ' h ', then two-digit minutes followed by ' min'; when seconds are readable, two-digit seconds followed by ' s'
5 h 11 min
